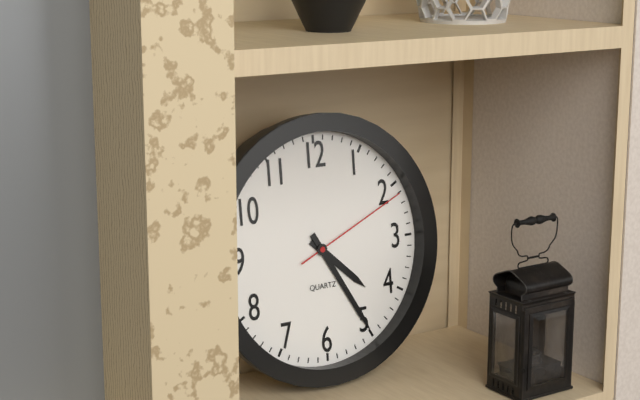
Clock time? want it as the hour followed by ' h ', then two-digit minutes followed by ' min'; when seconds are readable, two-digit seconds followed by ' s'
4 h 25 min 11 s
